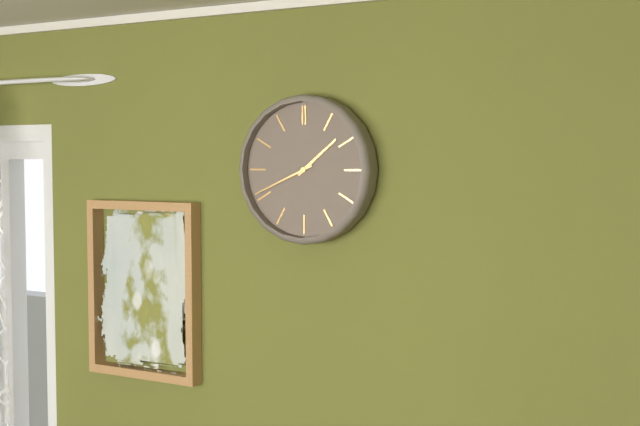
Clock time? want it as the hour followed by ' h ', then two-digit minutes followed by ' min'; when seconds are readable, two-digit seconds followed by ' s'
1 h 41 min
